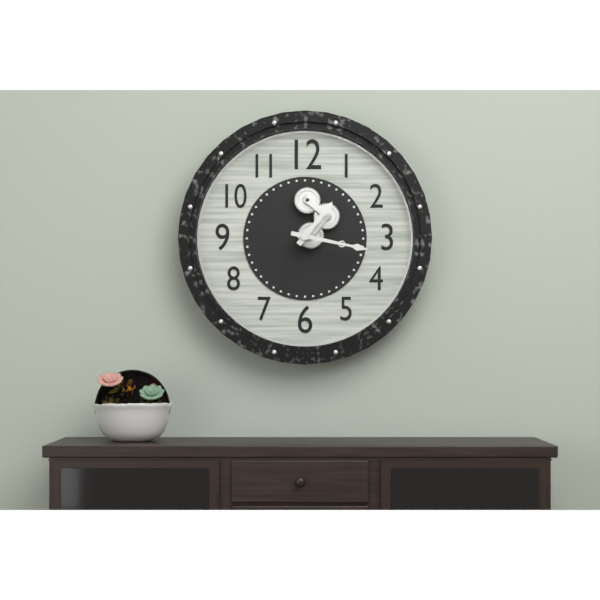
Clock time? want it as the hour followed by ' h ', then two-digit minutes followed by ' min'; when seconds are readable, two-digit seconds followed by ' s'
1 h 17 min
